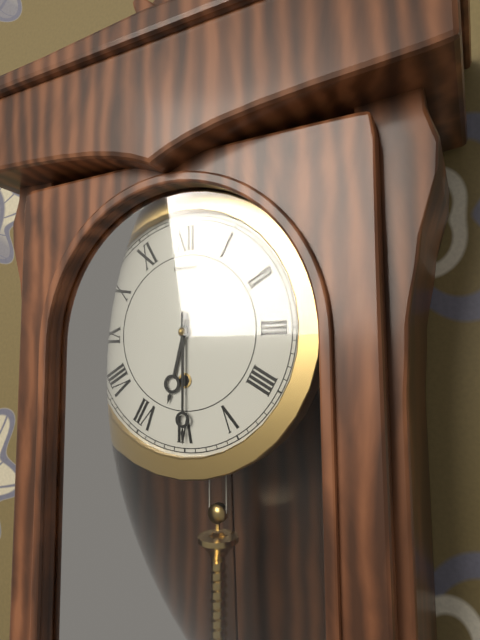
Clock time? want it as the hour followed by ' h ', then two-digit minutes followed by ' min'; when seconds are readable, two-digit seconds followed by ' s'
6 h 30 min
